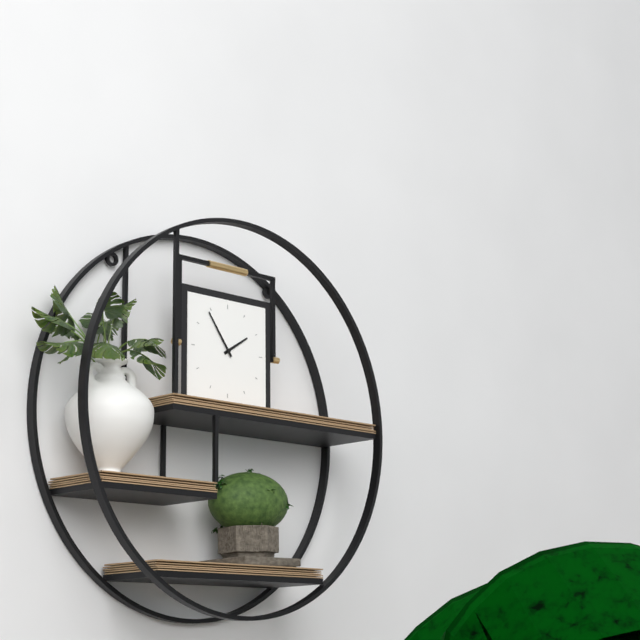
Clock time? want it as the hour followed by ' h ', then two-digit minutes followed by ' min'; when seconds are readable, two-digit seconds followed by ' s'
1 h 54 min
